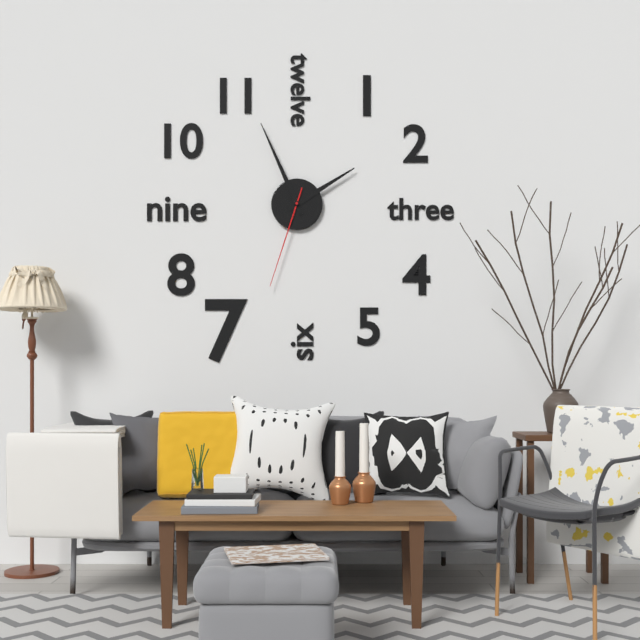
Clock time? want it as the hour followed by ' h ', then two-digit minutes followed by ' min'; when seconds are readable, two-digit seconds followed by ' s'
1 h 56 min 33 s
